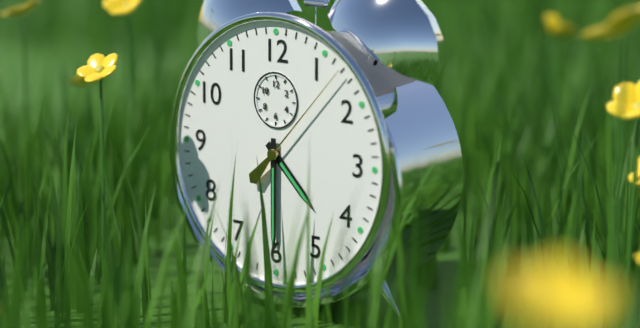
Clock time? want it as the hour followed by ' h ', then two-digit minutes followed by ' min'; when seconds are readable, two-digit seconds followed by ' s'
4 h 30 min 07 s
